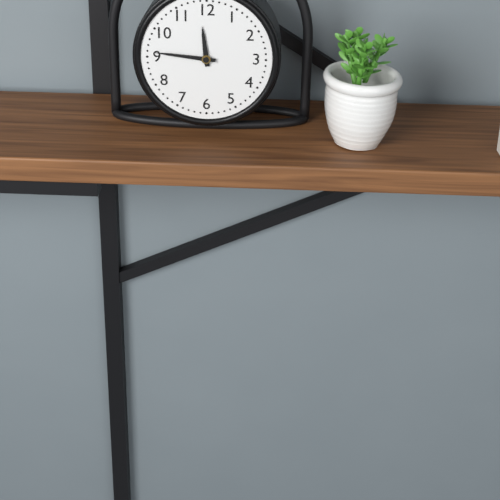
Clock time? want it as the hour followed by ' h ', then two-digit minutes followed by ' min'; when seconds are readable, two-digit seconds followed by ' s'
11 h 46 min
